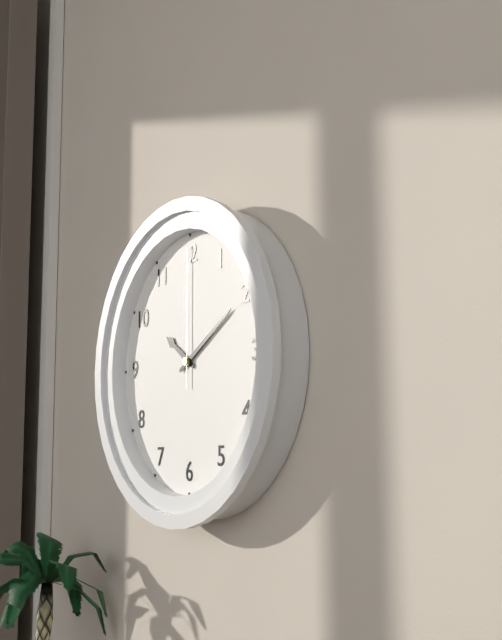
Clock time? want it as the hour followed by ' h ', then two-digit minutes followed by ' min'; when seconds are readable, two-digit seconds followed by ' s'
10 h 10 min 00 s
